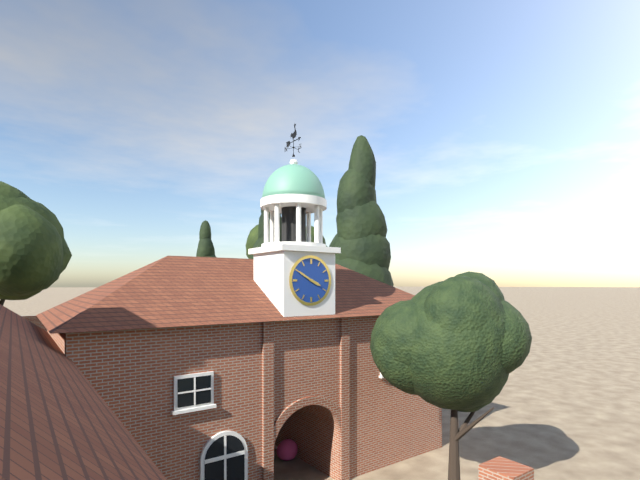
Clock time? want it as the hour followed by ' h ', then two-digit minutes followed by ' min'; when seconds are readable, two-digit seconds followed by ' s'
3 h 50 min
